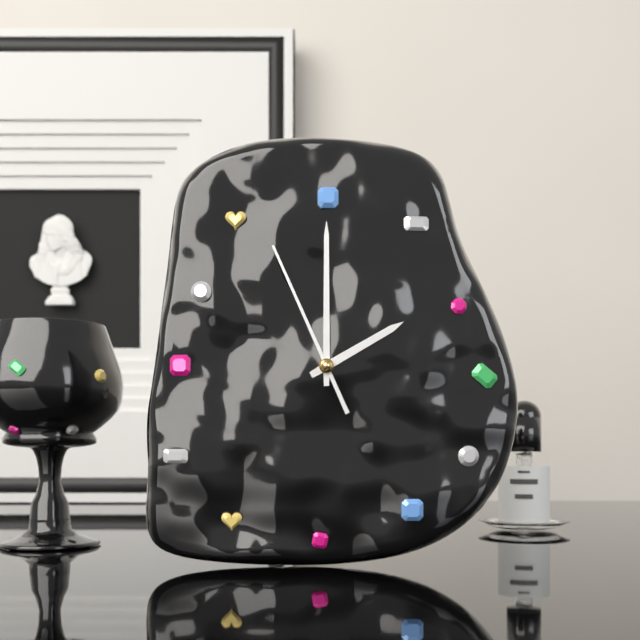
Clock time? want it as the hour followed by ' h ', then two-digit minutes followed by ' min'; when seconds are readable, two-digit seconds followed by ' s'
2 h 00 min 56 s
